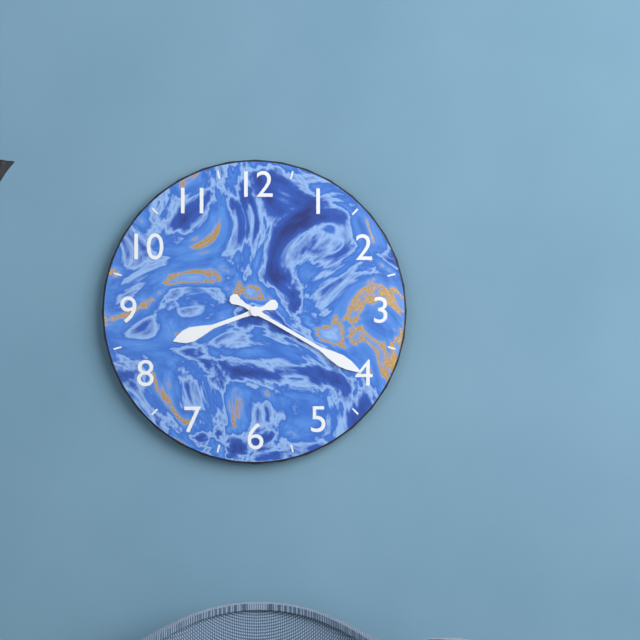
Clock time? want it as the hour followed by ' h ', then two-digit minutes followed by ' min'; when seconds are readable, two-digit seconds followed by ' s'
8 h 20 min
